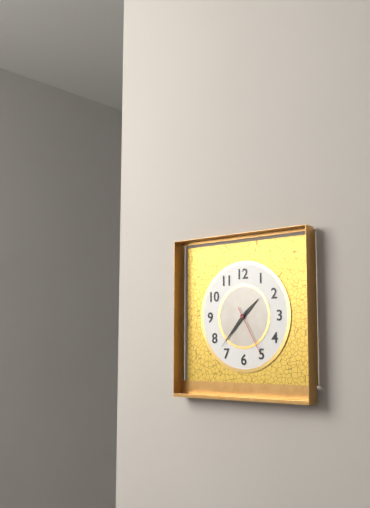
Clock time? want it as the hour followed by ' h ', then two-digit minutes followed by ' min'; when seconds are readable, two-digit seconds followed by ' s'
1 h 37 min 25 s
